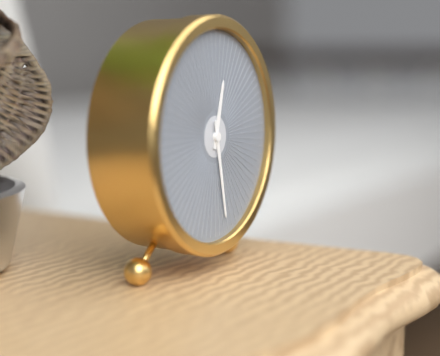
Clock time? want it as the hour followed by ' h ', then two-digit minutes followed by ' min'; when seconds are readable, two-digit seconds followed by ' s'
12 h 28 min
